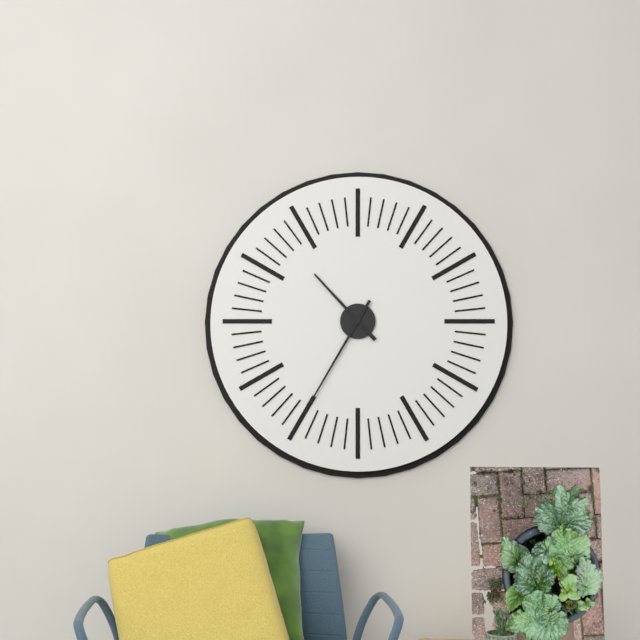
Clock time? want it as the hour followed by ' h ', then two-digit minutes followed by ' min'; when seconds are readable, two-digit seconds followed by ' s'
10 h 35 min
